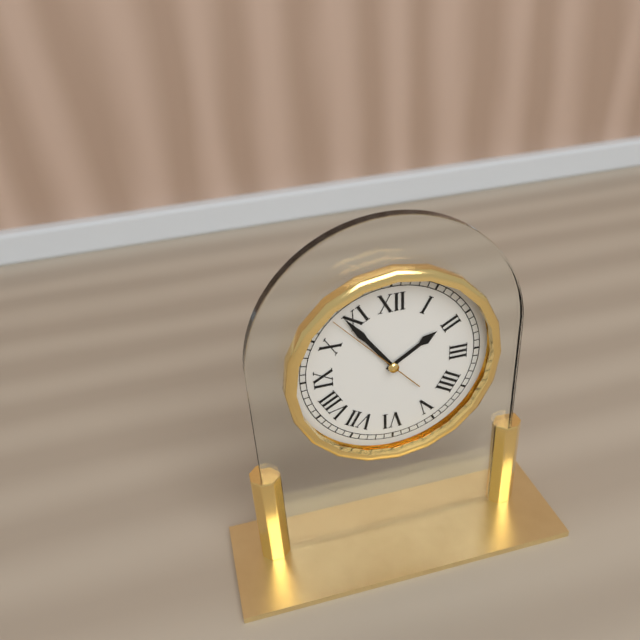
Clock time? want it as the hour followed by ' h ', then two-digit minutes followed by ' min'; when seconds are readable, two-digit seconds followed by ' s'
1 h 54 min 53 s
